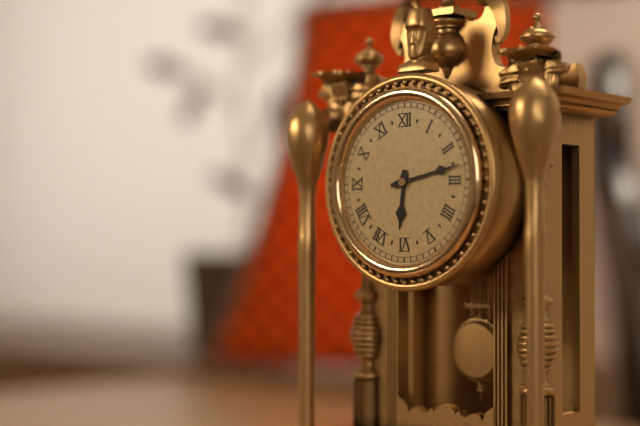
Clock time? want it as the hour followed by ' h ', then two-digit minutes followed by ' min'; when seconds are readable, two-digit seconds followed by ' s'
6 h 13 min
